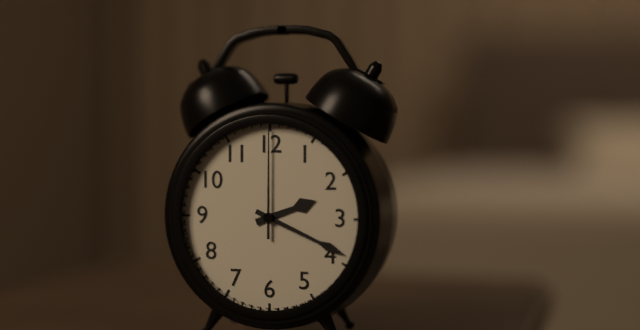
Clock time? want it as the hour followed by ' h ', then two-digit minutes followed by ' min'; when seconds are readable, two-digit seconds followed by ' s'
2 h 19 min 00 s
